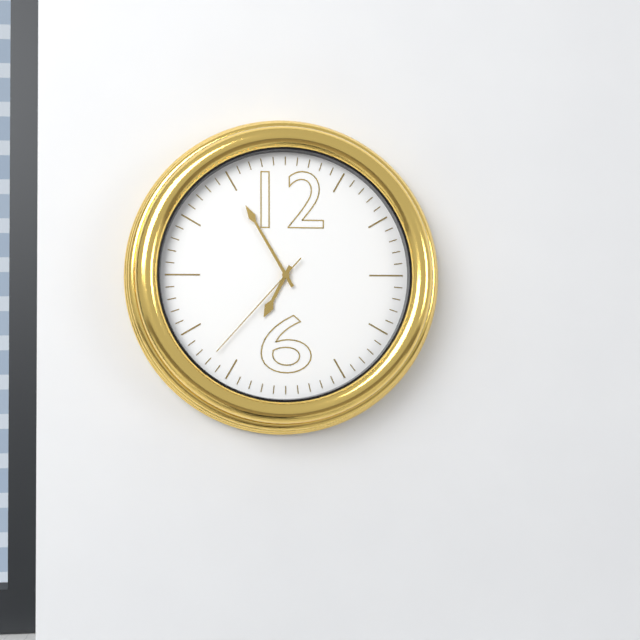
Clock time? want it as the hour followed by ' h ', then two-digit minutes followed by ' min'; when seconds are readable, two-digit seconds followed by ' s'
6 h 55 min 37 s
